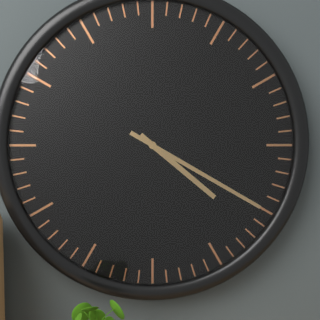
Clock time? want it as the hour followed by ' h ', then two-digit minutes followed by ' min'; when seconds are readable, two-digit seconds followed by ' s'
4 h 20 min
